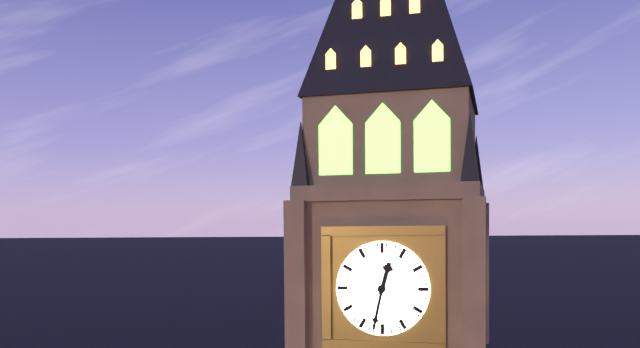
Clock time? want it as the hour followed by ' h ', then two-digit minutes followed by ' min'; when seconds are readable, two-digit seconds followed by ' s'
12 h 32 min
